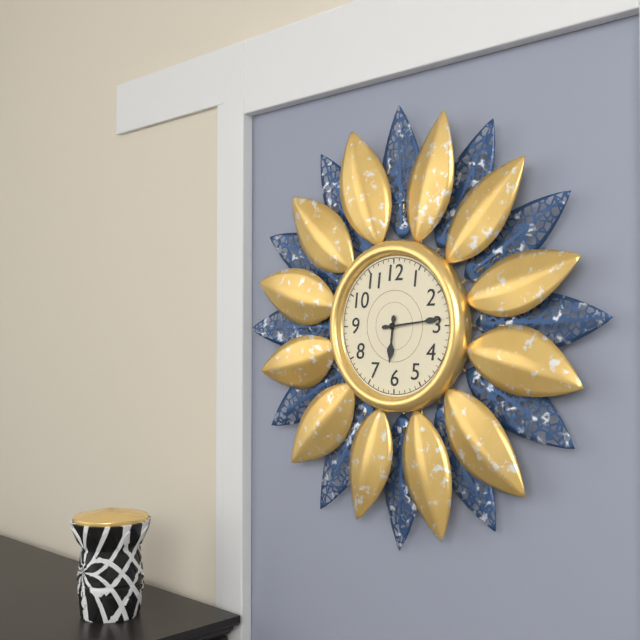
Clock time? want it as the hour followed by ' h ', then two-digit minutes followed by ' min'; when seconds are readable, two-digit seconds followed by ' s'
6 h 14 min
